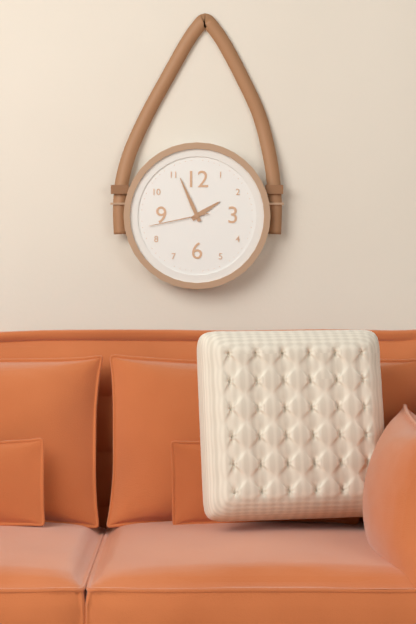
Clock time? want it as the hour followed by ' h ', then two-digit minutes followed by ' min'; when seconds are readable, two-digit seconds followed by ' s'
1 h 56 min 43 s
